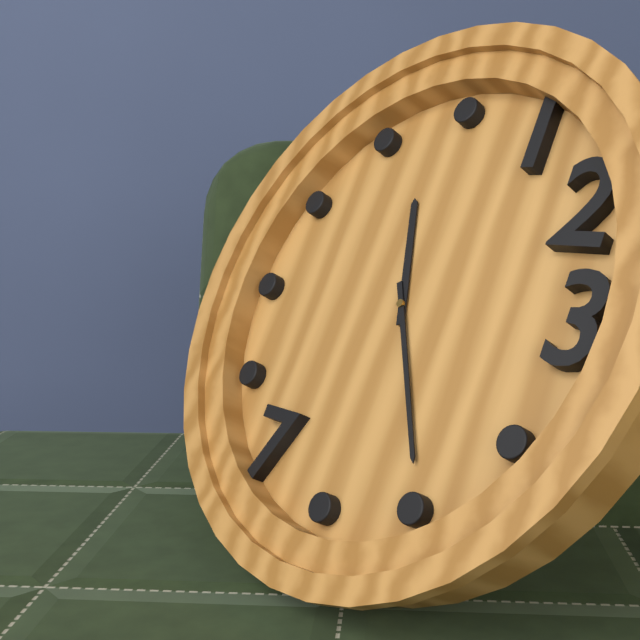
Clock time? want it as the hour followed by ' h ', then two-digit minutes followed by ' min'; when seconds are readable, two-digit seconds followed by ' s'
11 h 25 min
